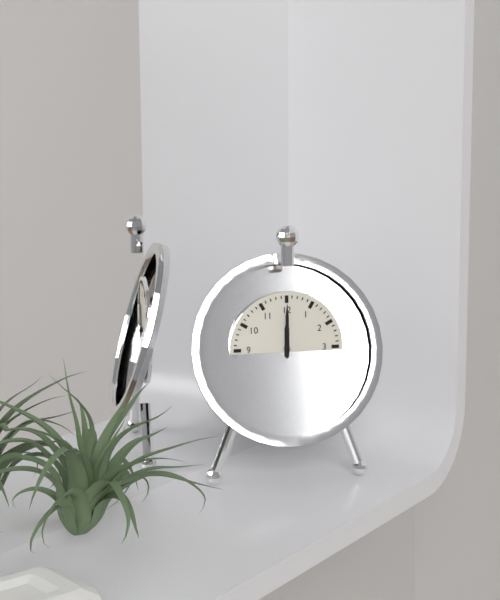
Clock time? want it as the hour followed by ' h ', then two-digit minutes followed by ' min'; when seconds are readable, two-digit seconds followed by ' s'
12 h 00 min
